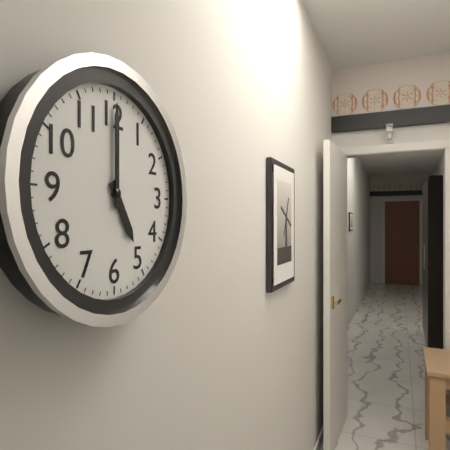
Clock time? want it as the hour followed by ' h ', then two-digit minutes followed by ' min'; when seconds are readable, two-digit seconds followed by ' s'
5 h 00 min
